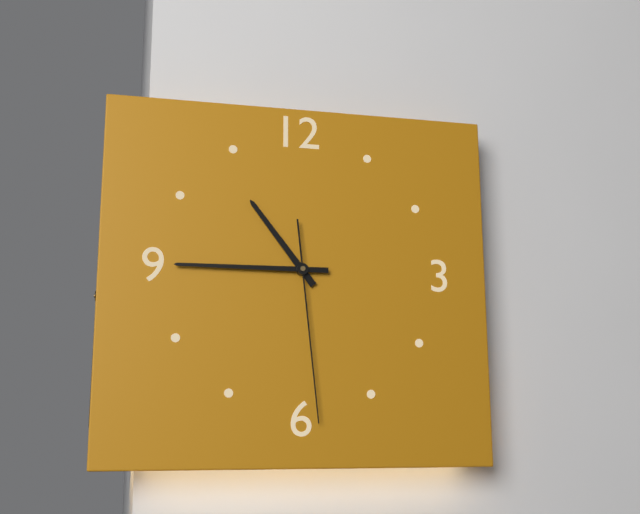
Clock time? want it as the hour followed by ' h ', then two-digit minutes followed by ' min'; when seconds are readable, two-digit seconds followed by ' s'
10 h 45 min 29 s
